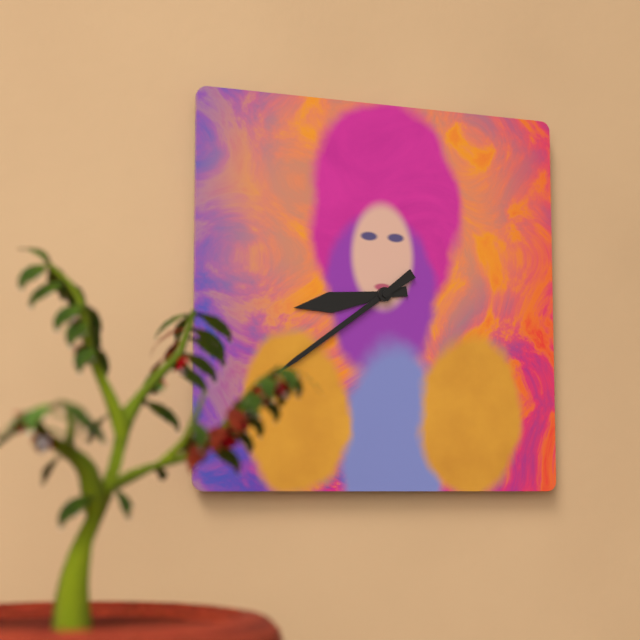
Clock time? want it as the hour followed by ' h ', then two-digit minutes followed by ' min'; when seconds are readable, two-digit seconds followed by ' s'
8 h 39 min
